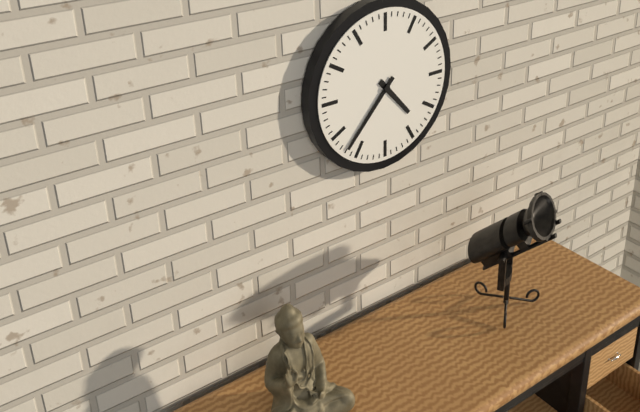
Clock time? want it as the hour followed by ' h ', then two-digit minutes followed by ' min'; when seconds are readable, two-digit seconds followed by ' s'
4 h 37 min
